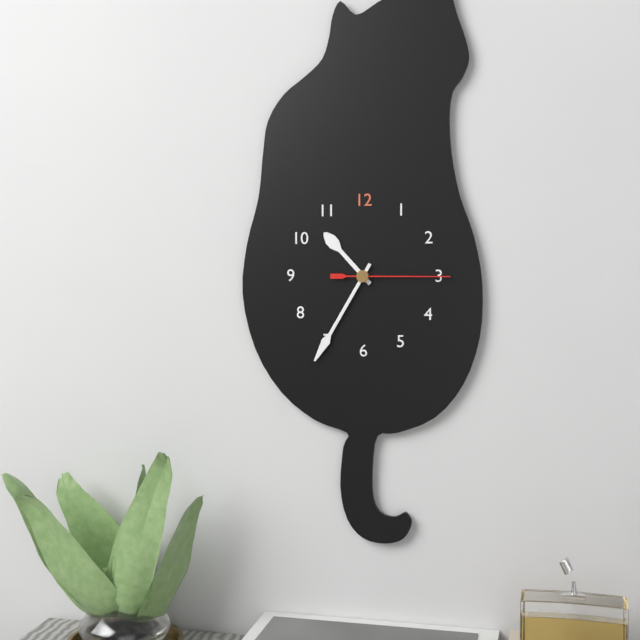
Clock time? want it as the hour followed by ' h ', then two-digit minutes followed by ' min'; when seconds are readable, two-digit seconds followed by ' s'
10 h 35 min 15 s
